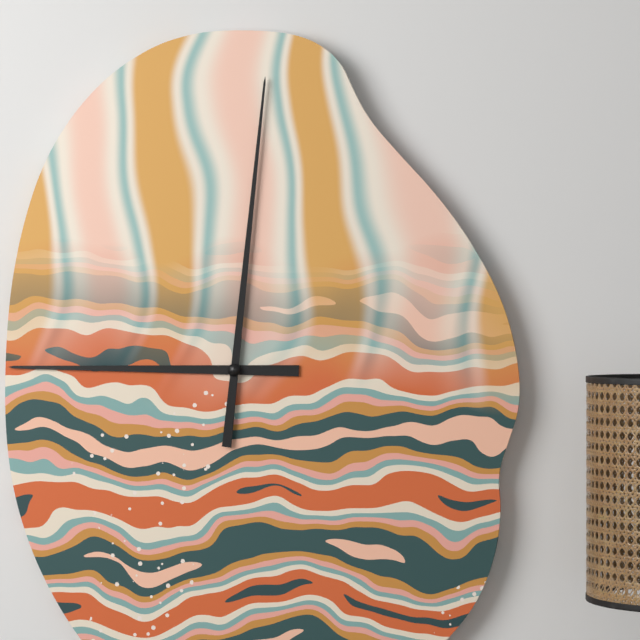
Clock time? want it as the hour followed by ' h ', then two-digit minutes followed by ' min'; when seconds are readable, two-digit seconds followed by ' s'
9 h 01 min
